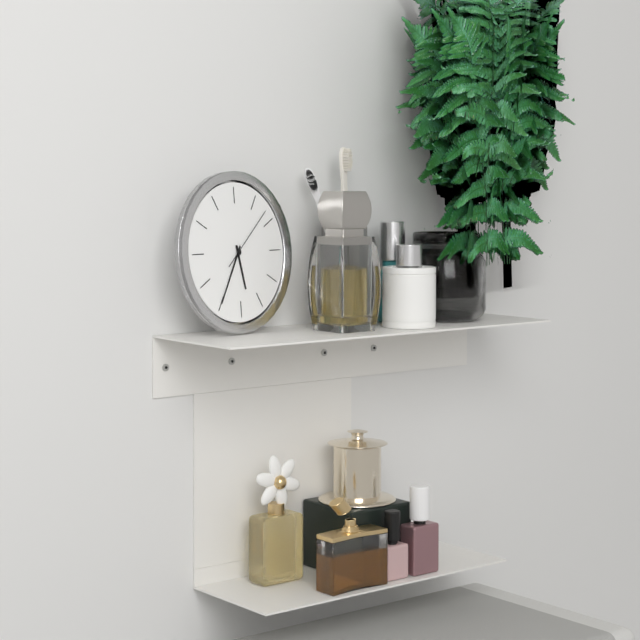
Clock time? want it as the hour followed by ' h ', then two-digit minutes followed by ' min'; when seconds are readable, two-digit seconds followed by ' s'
5 h 35 min 08 s
